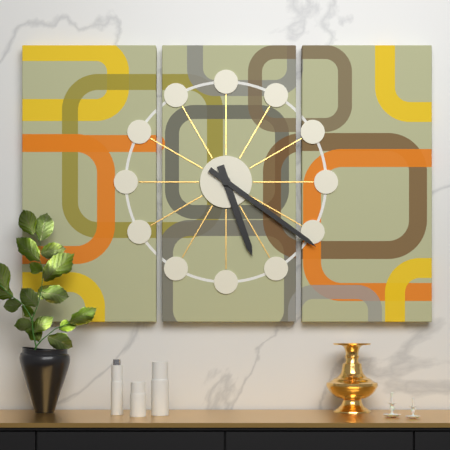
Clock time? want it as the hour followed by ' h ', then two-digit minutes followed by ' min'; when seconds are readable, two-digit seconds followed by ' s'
5 h 21 min
